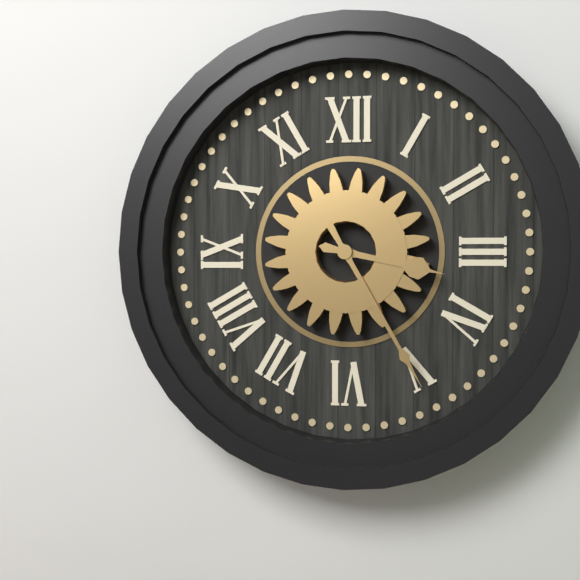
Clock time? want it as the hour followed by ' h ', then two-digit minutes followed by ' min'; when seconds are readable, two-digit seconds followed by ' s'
3 h 25 min
